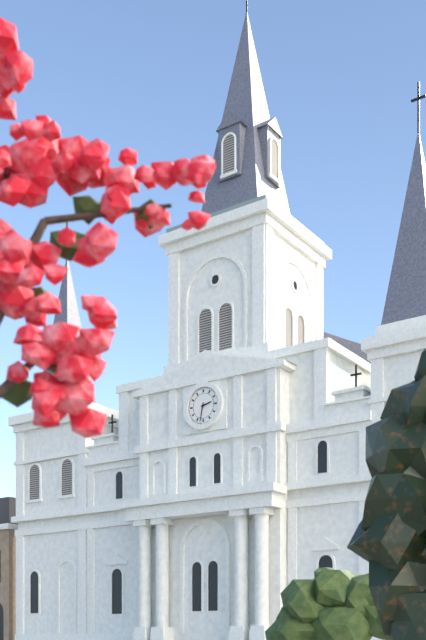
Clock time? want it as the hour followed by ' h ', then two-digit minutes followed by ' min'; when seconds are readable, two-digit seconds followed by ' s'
2 h 32 min
